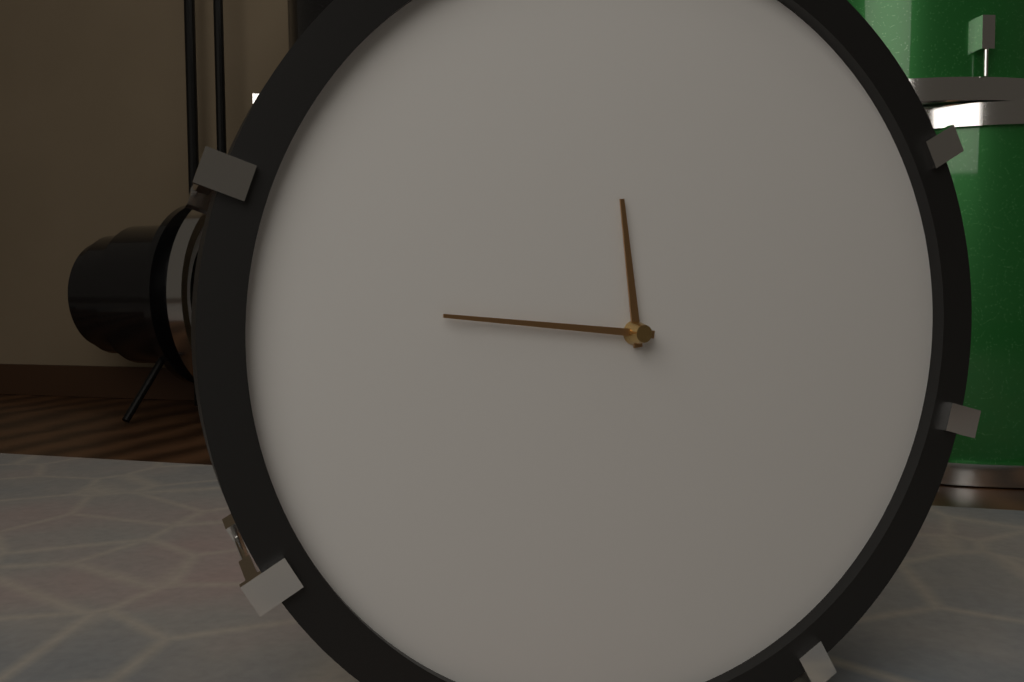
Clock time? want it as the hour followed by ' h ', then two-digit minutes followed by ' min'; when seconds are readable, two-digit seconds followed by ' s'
11 h 46 min
